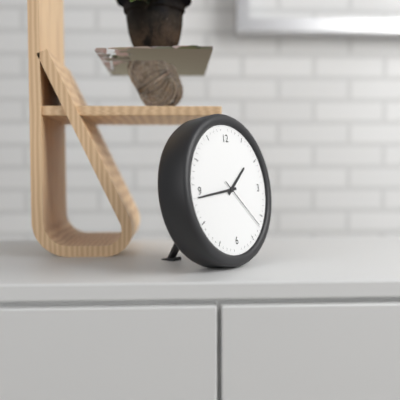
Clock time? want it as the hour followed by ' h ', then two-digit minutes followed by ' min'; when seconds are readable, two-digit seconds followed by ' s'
1 h 44 min 22 s
